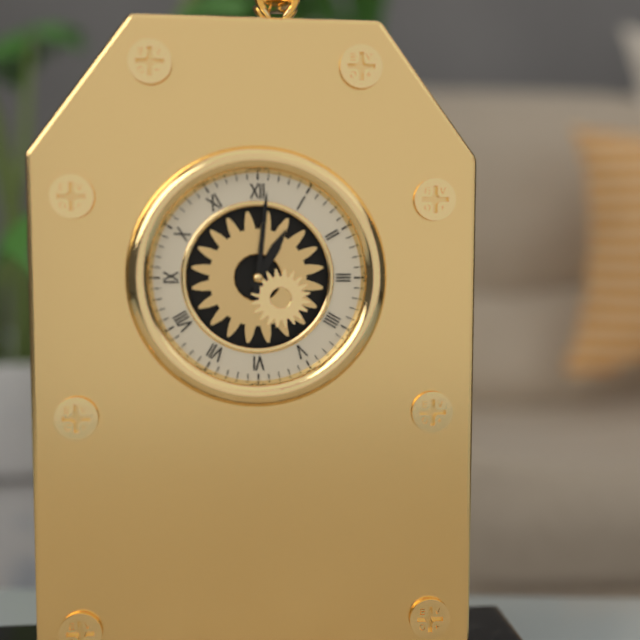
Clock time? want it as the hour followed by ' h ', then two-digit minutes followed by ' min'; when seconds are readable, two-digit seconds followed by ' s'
1 h 01 min
